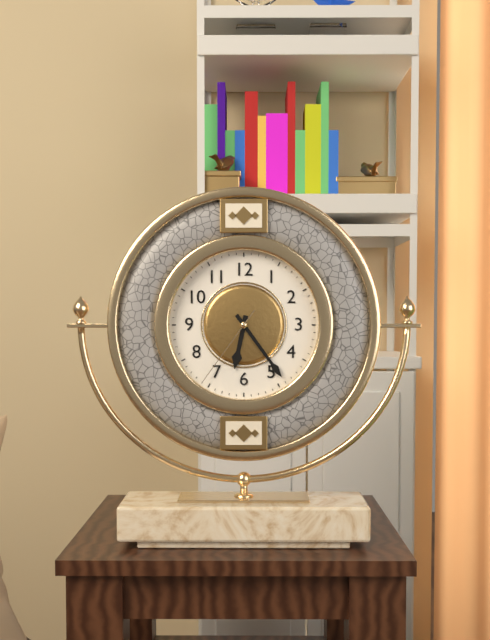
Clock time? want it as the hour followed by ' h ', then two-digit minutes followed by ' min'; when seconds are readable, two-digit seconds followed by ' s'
6 h 24 min 36 s
